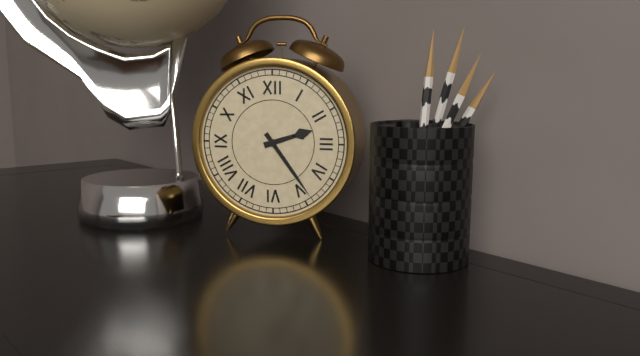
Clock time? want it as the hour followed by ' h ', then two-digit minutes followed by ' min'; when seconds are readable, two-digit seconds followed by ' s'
2 h 24 min
